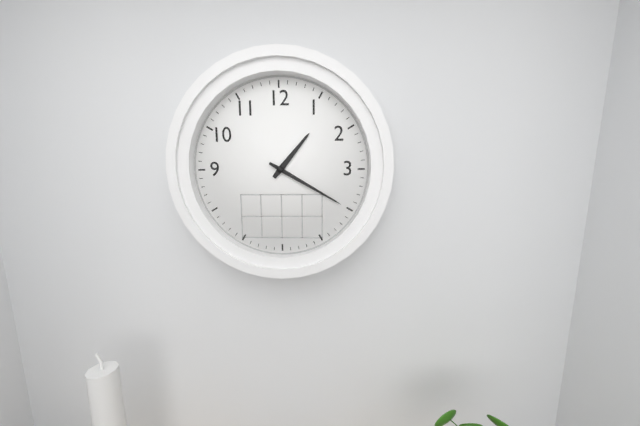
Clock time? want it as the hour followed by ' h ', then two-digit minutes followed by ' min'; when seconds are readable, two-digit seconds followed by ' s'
1 h 20 min
